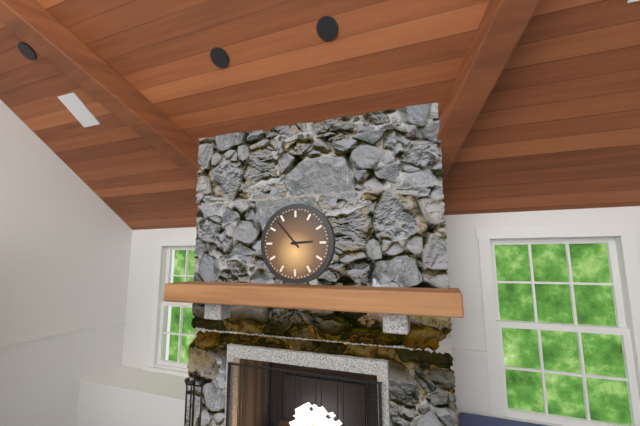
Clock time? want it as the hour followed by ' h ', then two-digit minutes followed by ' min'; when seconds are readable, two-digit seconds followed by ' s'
2 h 53 min
